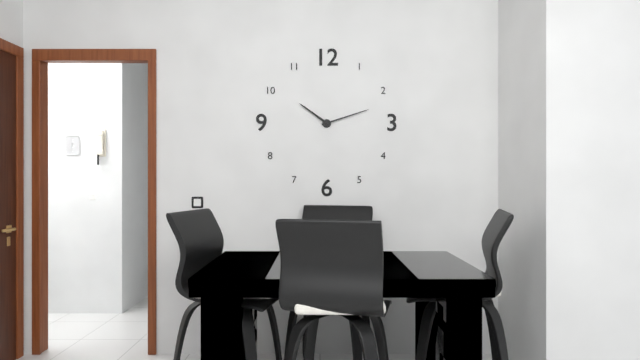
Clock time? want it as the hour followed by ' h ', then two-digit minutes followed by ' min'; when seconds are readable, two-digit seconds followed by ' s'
10 h 12 min
